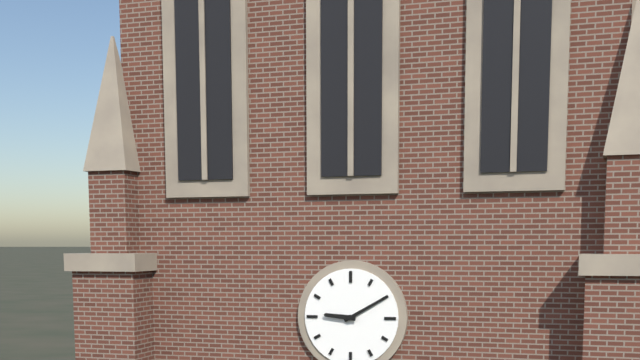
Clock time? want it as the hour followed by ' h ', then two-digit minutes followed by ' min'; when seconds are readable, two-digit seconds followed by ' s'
9 h 10 min
